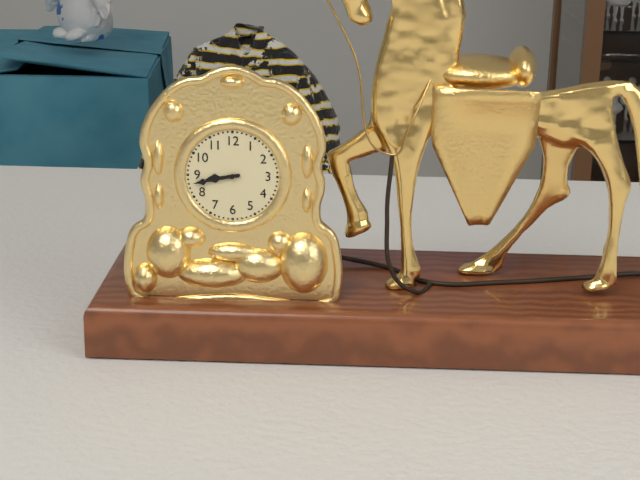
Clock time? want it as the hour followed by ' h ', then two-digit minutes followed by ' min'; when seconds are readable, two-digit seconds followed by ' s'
8 h 43 min
